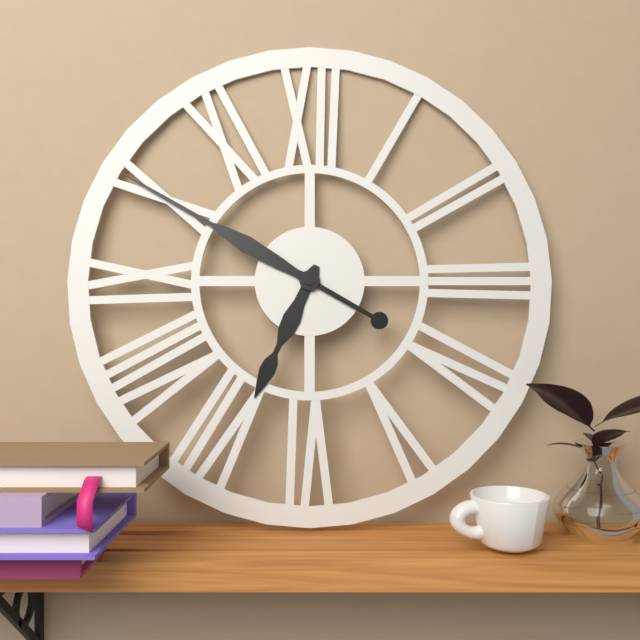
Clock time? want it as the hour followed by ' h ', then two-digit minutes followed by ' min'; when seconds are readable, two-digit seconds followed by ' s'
6 h 50 min
